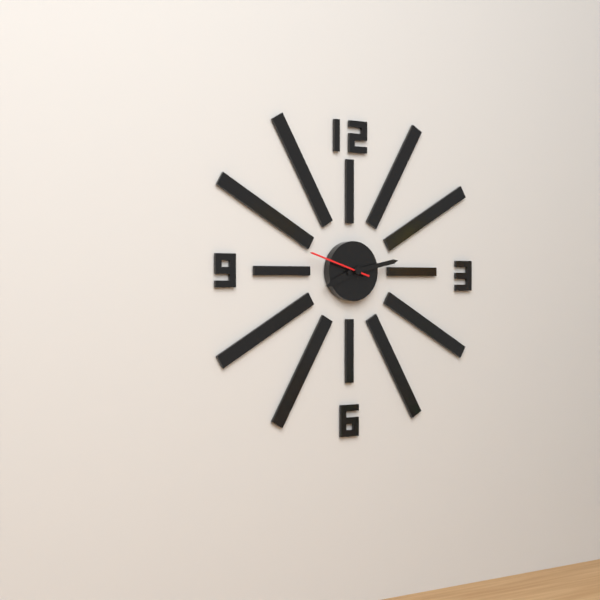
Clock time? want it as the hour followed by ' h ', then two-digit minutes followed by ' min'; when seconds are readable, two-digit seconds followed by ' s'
8 h 13 min 48 s
